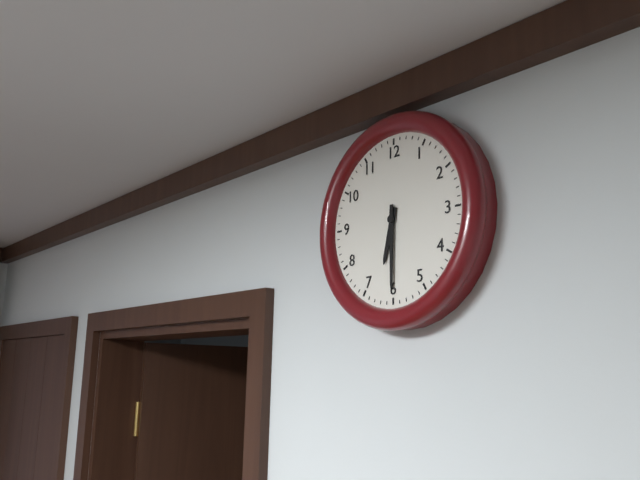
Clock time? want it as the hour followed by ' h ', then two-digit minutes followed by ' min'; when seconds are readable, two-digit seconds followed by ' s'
6 h 30 min
